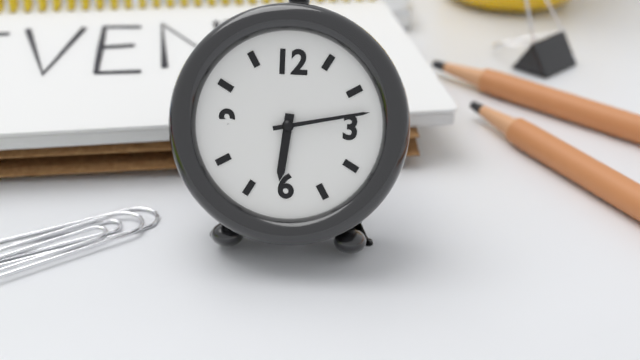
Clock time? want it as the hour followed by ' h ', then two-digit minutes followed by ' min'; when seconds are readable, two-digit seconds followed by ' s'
6 h 13 min
